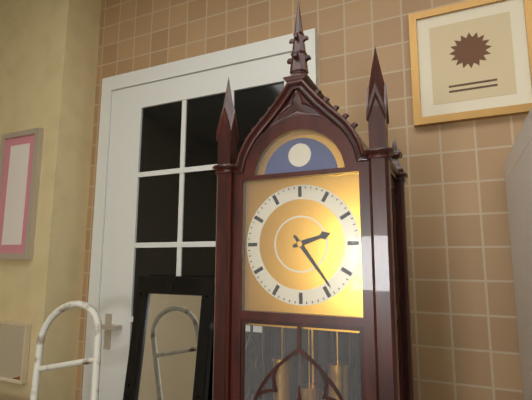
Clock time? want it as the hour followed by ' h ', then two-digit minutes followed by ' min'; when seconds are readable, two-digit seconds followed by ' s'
2 h 24 min
